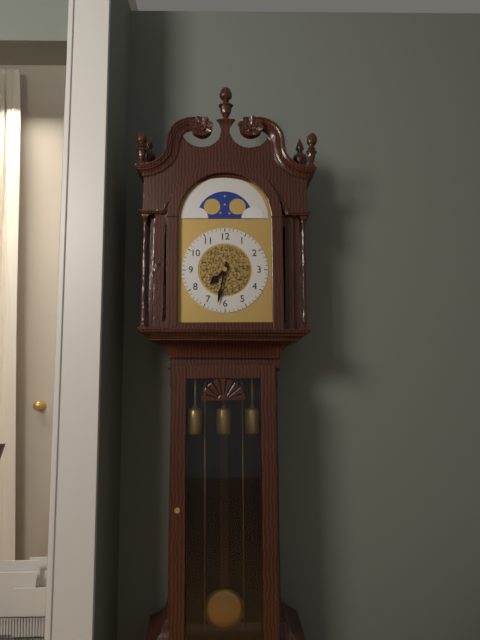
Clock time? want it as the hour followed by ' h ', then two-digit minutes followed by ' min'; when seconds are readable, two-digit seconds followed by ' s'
7 h 32 min
